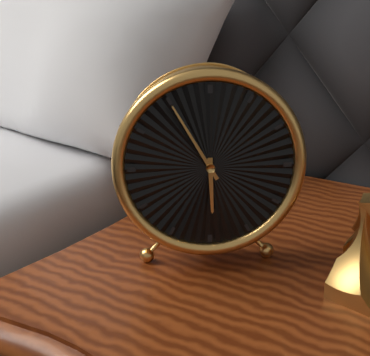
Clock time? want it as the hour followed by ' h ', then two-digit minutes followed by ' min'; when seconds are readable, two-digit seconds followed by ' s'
5 h 55 min
